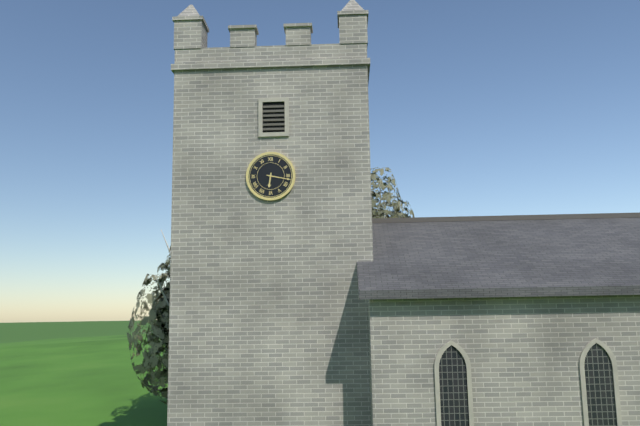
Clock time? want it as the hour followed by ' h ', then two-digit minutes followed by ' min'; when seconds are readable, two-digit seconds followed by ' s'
6 h 17 min
